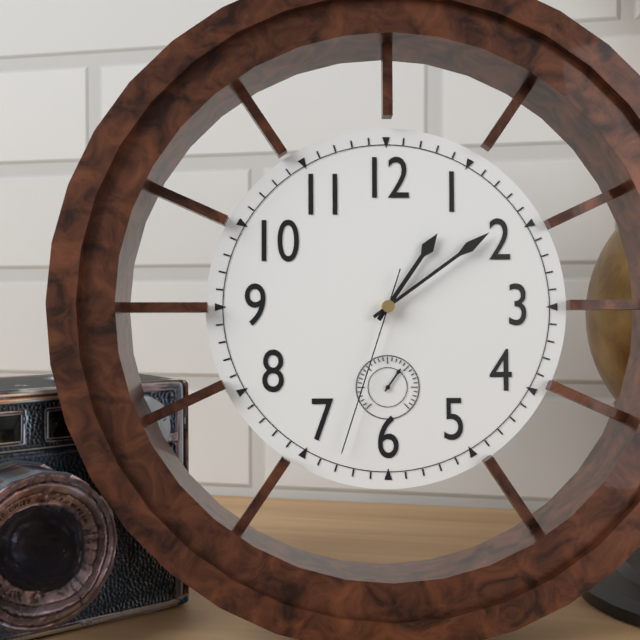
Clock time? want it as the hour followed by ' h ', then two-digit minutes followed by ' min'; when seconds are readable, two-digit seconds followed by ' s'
1 h 09 min 33 s
